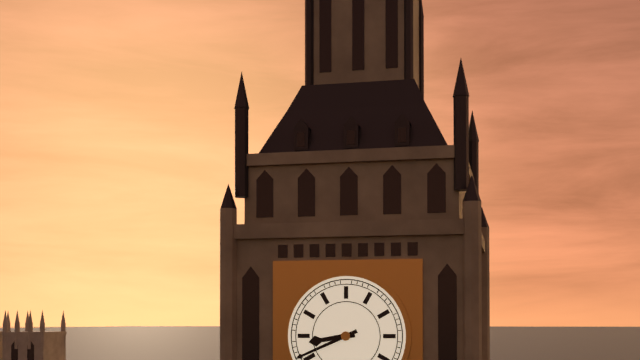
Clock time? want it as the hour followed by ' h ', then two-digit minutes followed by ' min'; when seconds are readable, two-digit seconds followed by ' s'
8 h 41 min
